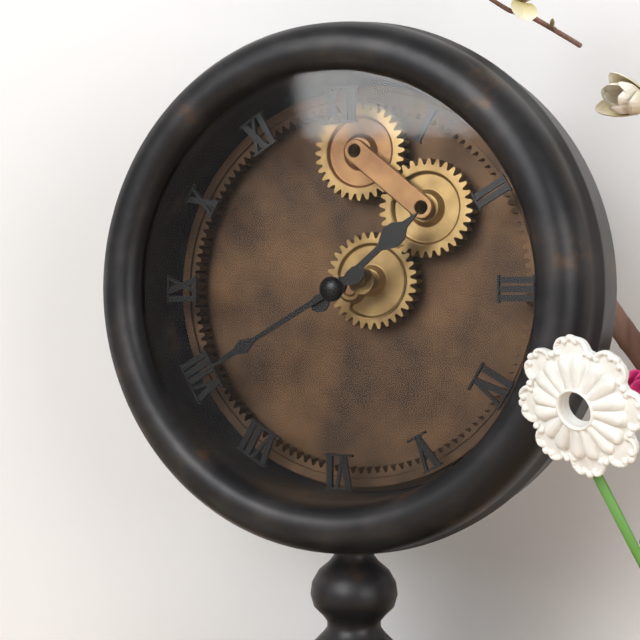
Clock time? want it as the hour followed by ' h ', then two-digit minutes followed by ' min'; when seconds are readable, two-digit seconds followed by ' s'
1 h 40 min
